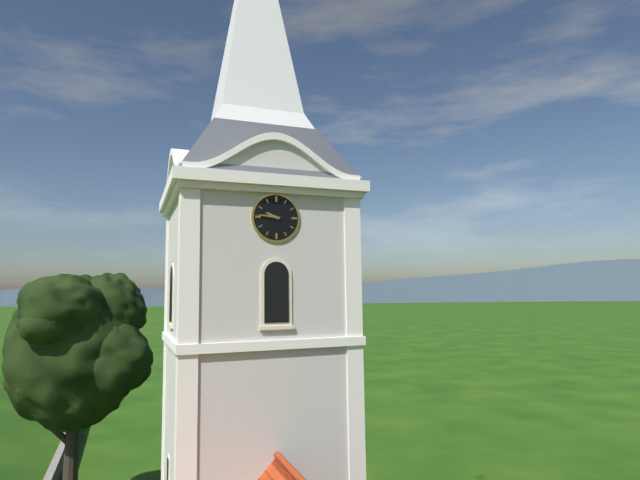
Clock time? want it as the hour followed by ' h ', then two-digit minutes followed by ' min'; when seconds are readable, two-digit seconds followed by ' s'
9 h 46 min
